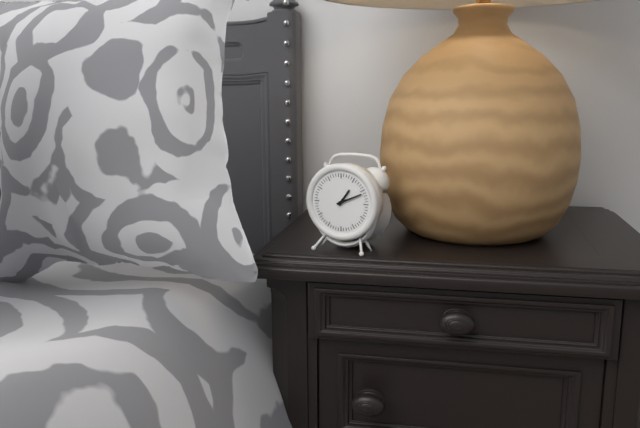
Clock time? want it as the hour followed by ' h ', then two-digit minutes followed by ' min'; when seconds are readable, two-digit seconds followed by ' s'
1 h 11 min
